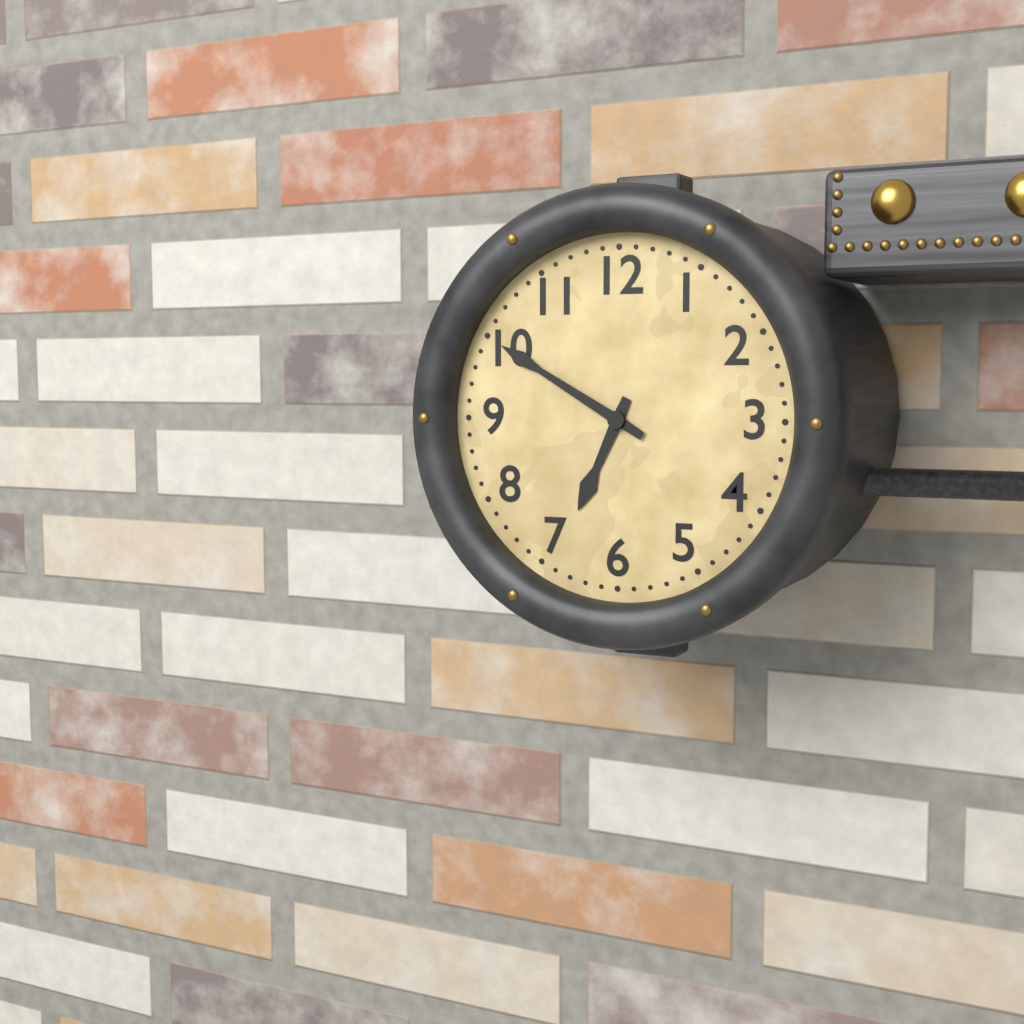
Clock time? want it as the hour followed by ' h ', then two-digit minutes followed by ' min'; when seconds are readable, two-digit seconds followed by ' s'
6 h 50 min
